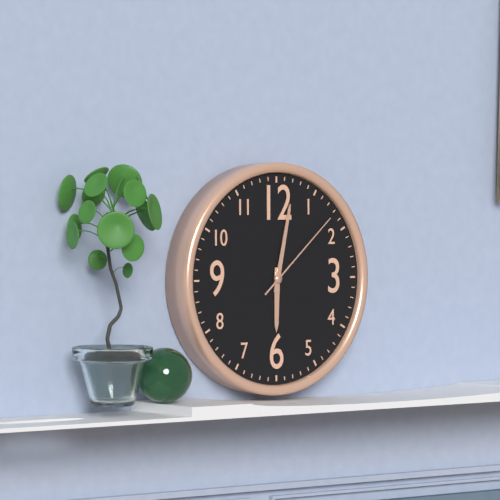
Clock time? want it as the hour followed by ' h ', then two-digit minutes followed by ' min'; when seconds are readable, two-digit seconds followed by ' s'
6 h 02 min 08 s
